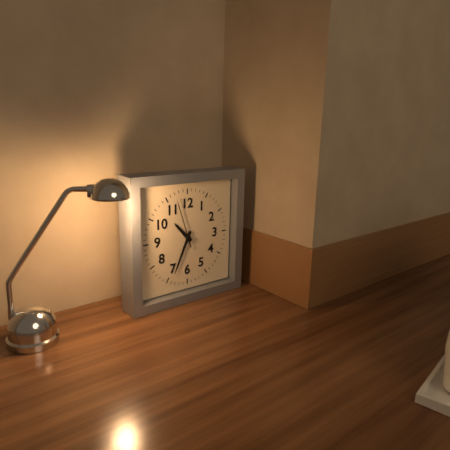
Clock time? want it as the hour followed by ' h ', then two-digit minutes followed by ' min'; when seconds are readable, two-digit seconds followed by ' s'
10 h 34 min 57 s
